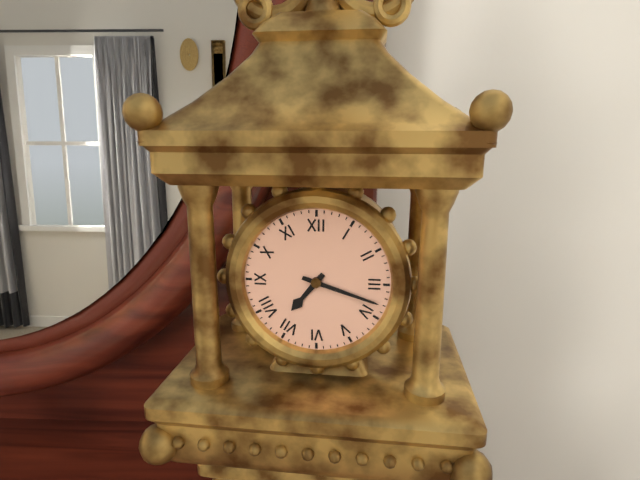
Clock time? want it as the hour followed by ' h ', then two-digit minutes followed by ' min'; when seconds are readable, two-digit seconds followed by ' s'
7 h 18 min
